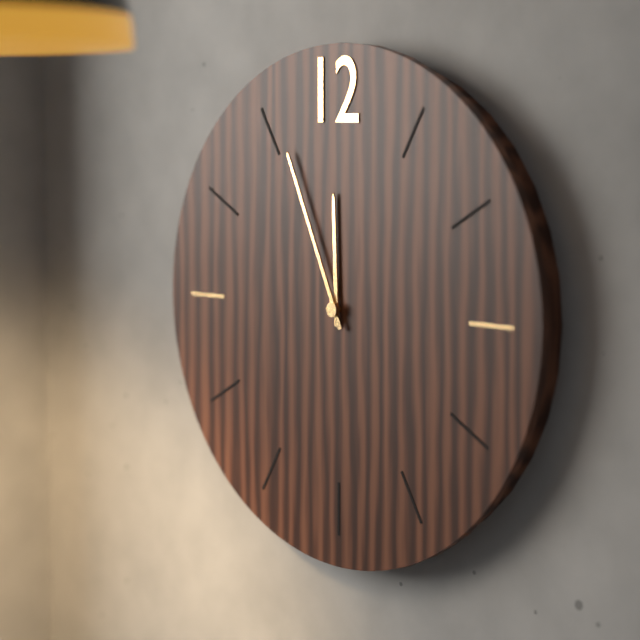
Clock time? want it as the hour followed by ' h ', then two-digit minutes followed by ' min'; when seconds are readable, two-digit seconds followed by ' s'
11 h 56 min
